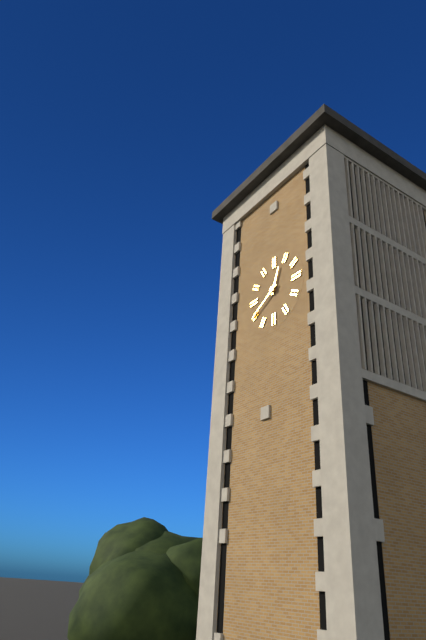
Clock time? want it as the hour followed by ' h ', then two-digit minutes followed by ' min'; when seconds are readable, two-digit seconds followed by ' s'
12 h 40 min
